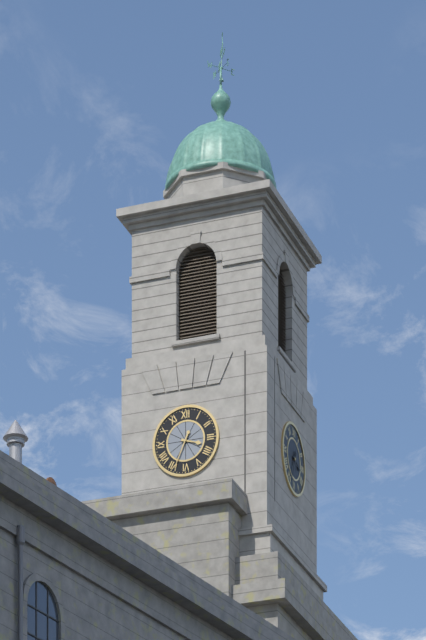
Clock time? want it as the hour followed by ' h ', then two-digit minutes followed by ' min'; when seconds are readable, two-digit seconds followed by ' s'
3 h 34 min
